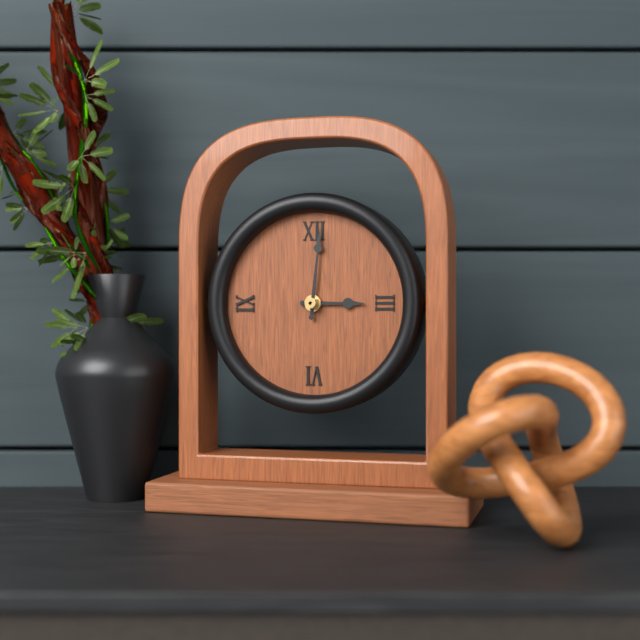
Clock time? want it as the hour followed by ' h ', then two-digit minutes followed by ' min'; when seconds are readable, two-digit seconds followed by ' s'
3 h 01 min
